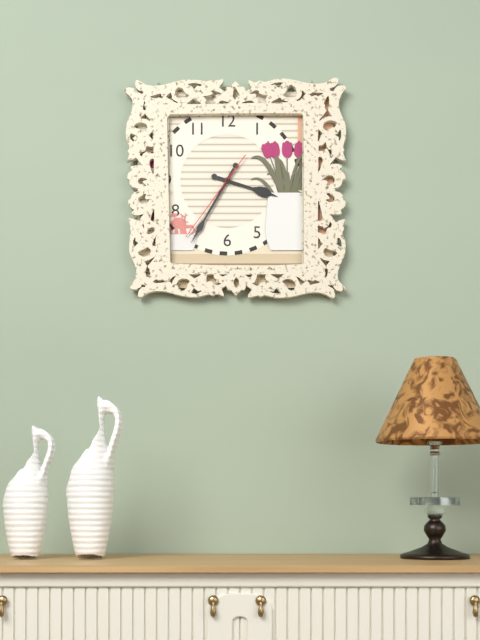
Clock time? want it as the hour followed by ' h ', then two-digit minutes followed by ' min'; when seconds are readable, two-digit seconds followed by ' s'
3 h 35 min 36 s
